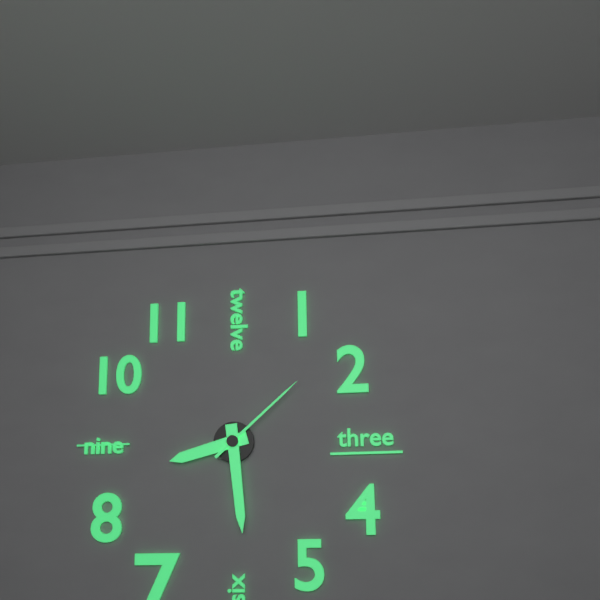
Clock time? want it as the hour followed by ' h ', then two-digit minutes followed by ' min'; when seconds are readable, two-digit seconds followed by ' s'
8 h 29 min 08 s
